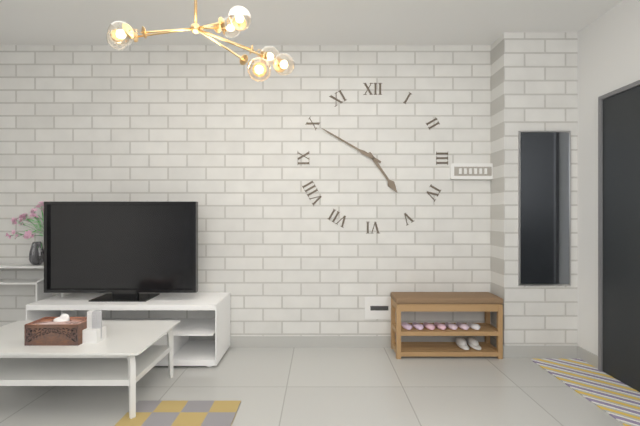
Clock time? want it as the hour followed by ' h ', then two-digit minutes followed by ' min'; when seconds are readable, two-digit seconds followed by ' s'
4 h 50 min
